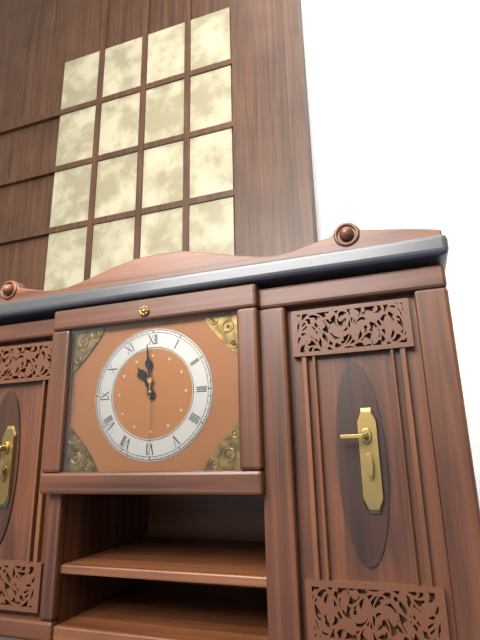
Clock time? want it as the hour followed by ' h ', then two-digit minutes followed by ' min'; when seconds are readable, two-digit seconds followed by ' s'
10 h 59 min 30 s
